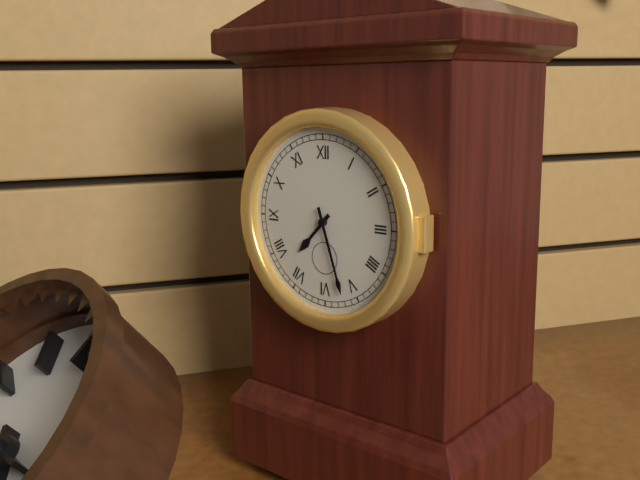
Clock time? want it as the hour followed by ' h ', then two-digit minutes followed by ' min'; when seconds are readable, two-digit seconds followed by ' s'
7 h 27 min
